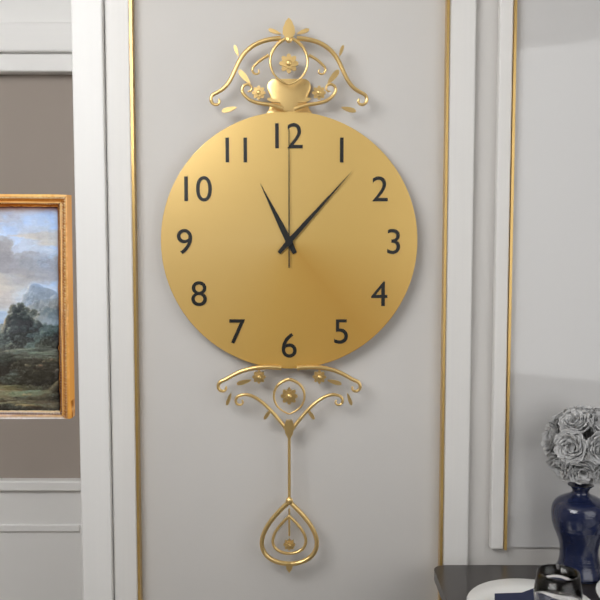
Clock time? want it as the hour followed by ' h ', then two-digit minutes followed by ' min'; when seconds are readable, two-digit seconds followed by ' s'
11 h 07 min 00 s
